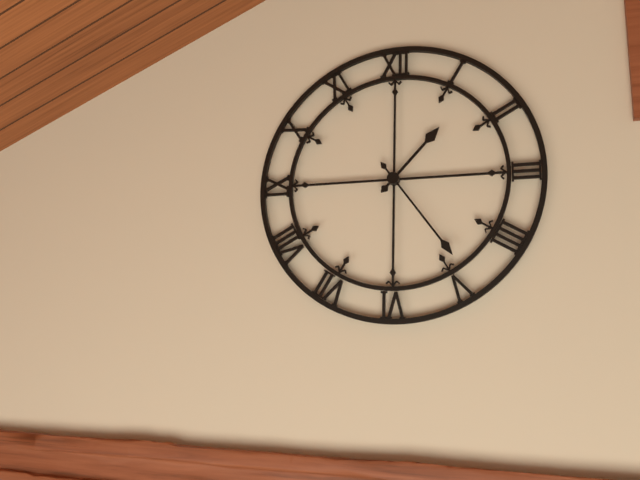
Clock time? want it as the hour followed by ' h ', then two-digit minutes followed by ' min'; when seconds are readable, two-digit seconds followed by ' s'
1 h 24 min
